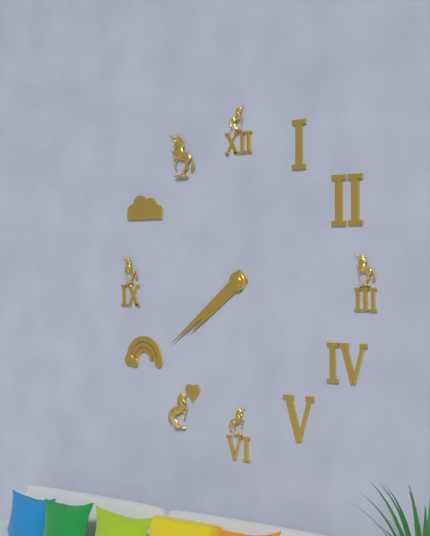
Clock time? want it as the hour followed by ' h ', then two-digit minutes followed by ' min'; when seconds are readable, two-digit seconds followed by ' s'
7 h 39 min
